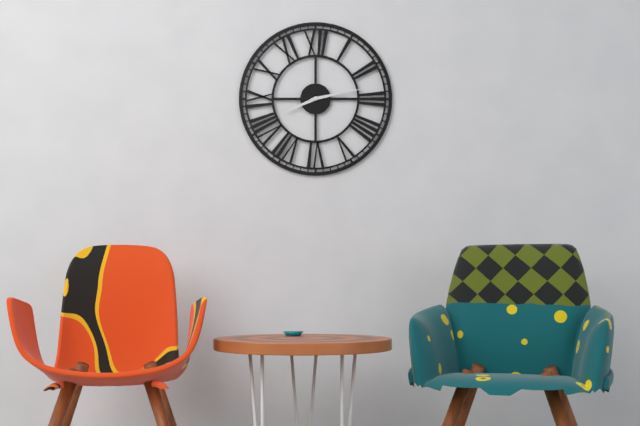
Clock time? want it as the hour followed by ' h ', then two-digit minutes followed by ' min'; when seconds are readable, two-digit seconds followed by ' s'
8 h 13 min
